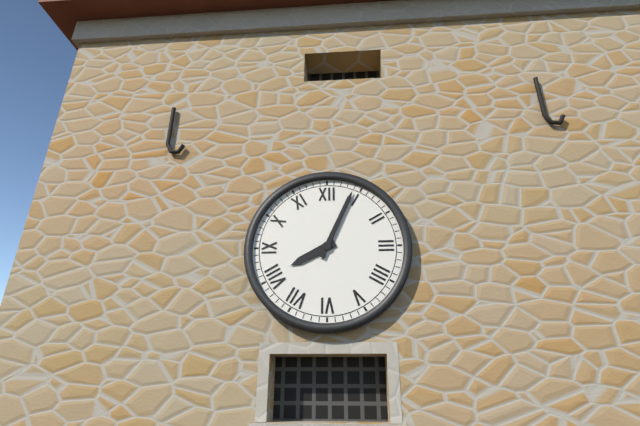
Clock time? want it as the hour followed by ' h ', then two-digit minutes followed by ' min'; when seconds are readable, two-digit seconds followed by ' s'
8 h 04 min
